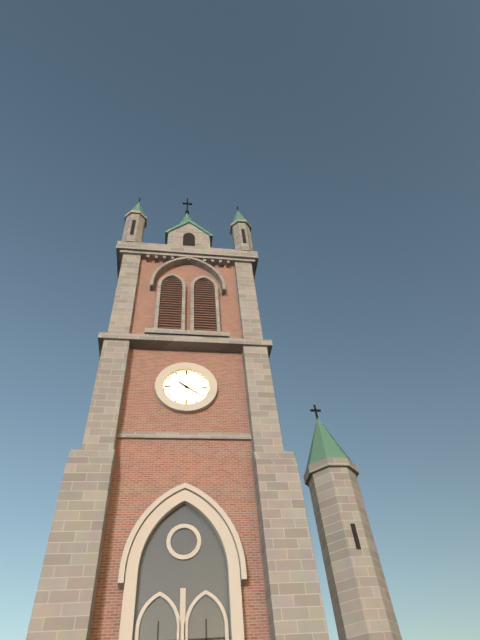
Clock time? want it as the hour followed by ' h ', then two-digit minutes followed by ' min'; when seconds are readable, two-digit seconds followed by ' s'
10 h 21 min
